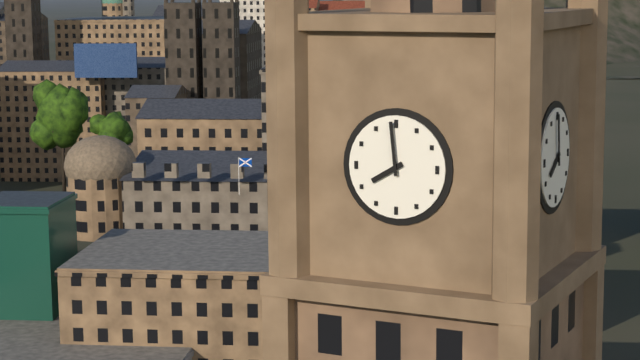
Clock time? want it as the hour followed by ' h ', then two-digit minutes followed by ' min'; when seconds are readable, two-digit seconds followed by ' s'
7 h 59 min
